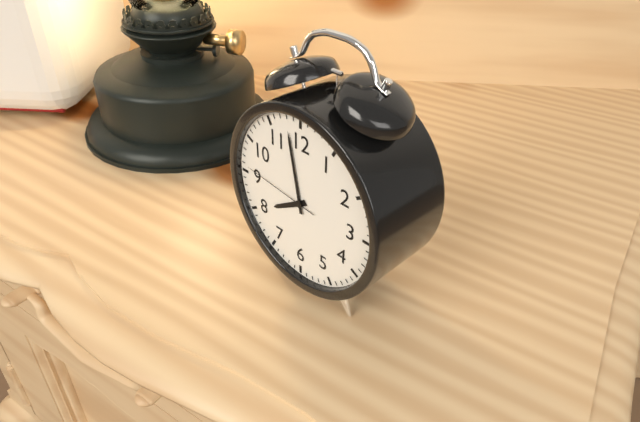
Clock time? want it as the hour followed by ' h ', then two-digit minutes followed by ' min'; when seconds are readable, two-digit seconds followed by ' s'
7 h 58 min 46 s
